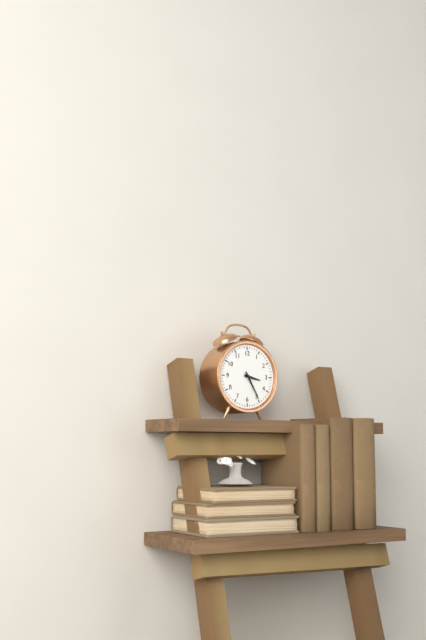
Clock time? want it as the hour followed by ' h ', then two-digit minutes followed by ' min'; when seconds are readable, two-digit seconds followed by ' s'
3 h 25 min
